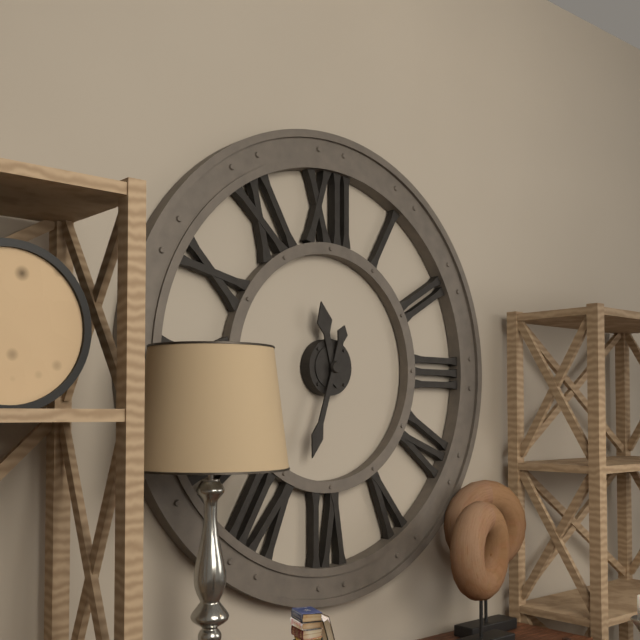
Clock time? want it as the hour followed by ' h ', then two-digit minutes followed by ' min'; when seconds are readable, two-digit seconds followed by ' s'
11 h 33 min
